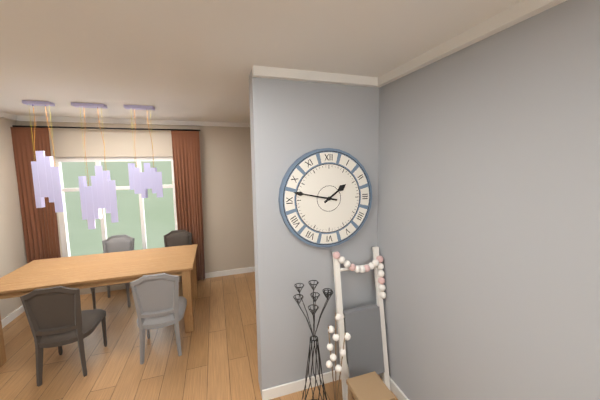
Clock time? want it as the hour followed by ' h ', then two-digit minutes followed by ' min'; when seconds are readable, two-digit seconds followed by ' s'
1 h 47 min
